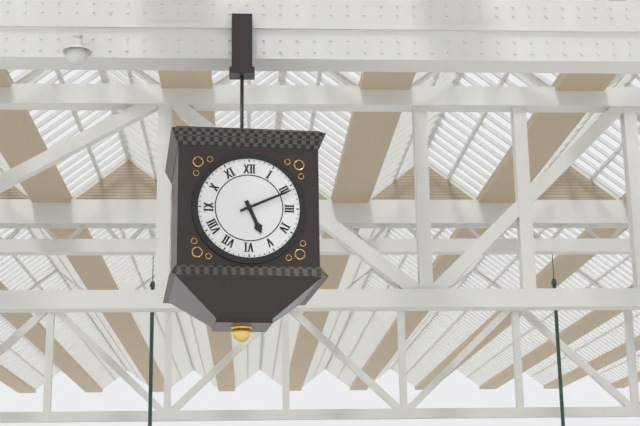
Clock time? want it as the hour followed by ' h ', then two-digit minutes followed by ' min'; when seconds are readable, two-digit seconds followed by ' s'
5 h 11 min
